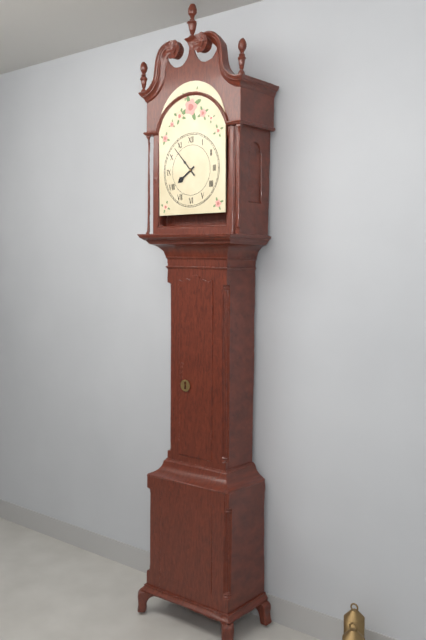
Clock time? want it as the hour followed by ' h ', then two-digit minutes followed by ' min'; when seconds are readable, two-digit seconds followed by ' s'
7 h 53 min
